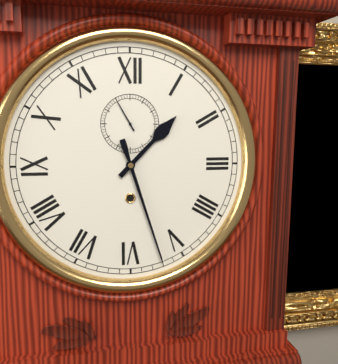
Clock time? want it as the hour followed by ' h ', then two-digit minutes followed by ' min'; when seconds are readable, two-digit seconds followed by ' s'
1 h 27 min
